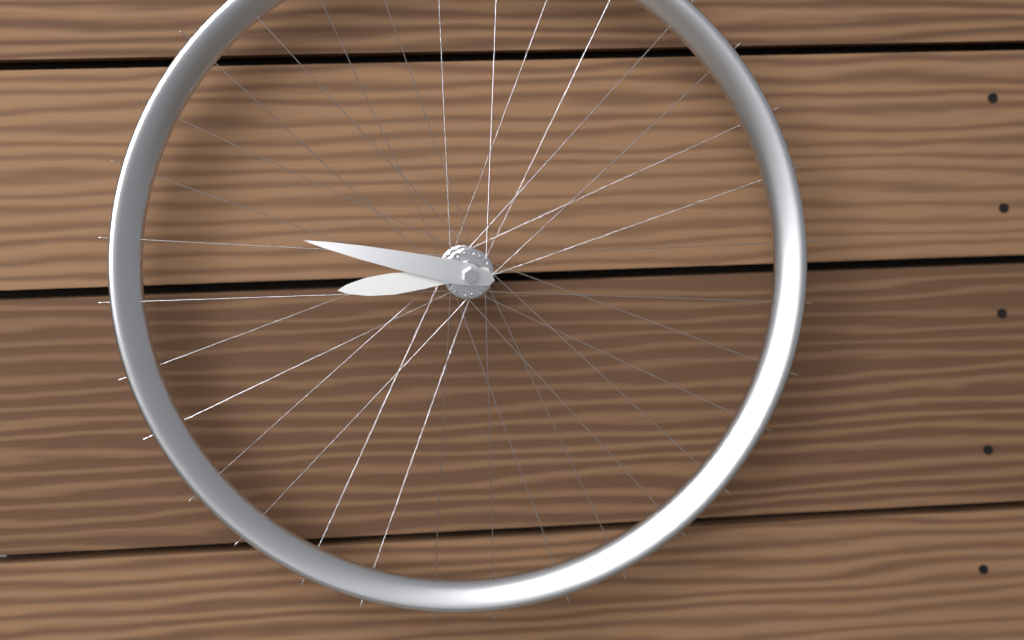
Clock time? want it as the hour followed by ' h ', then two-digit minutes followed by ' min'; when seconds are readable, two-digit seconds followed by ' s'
8 h 47 min
